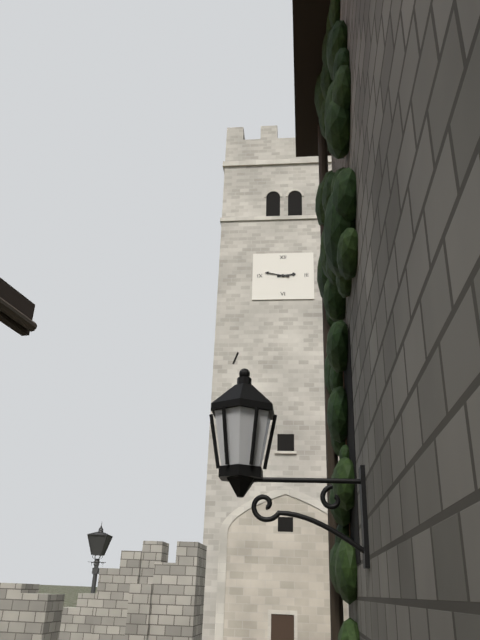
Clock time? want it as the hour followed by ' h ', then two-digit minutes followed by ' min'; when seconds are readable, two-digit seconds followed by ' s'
2 h 47 min
